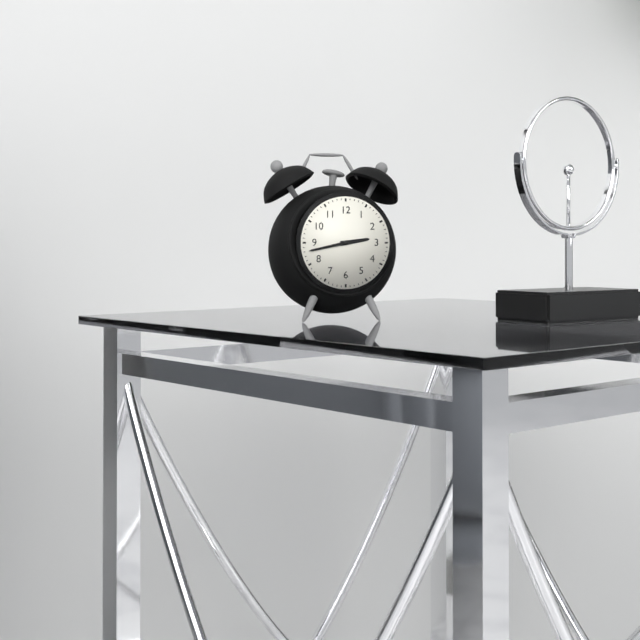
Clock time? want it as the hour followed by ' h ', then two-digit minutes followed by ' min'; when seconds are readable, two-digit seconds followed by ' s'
2 h 43 min
